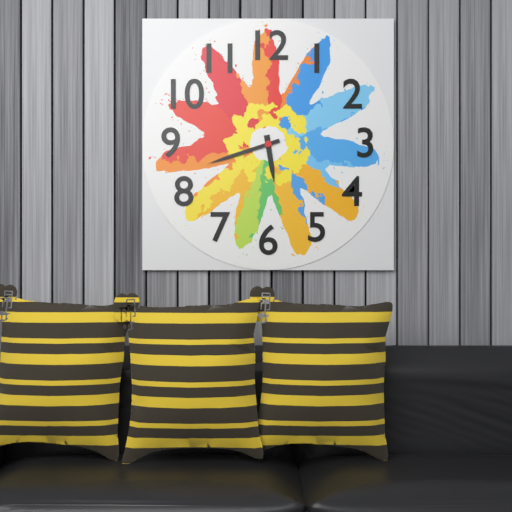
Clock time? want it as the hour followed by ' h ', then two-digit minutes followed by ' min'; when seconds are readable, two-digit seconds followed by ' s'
5 h 42 min
